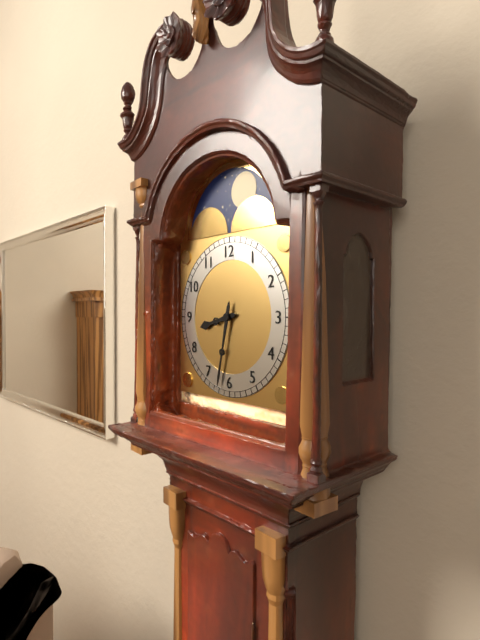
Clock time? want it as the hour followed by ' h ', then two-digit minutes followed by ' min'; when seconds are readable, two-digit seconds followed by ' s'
8 h 32 min
